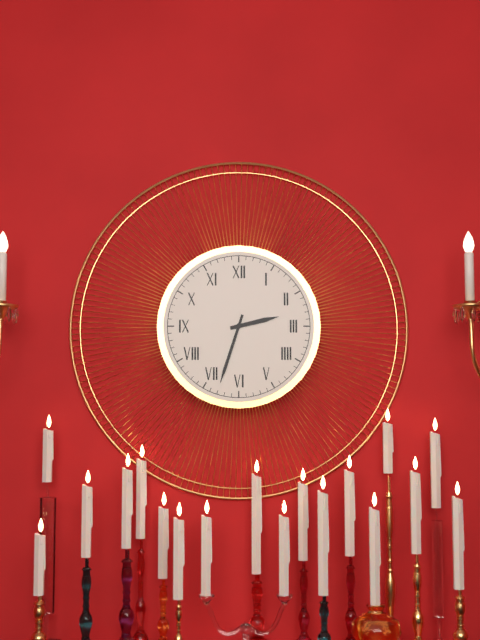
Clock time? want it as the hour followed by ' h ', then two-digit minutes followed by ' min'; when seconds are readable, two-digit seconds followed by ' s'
2 h 33 min
